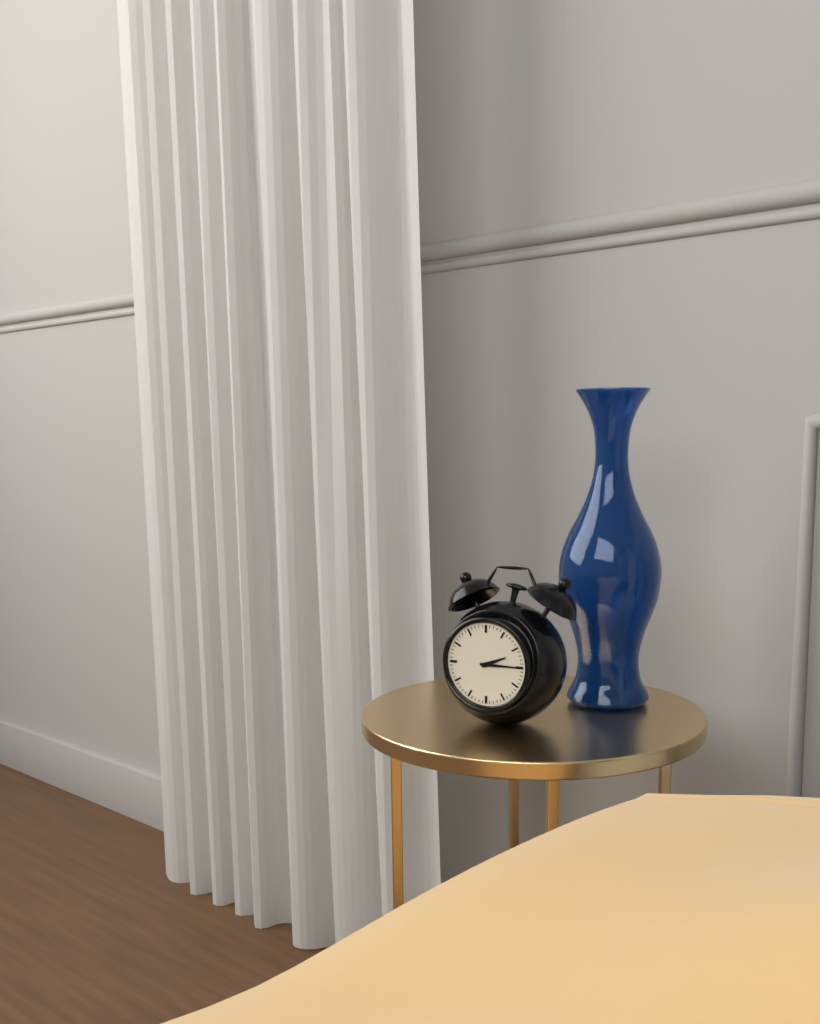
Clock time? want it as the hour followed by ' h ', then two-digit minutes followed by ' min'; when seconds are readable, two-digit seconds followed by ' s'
2 h 15 min
